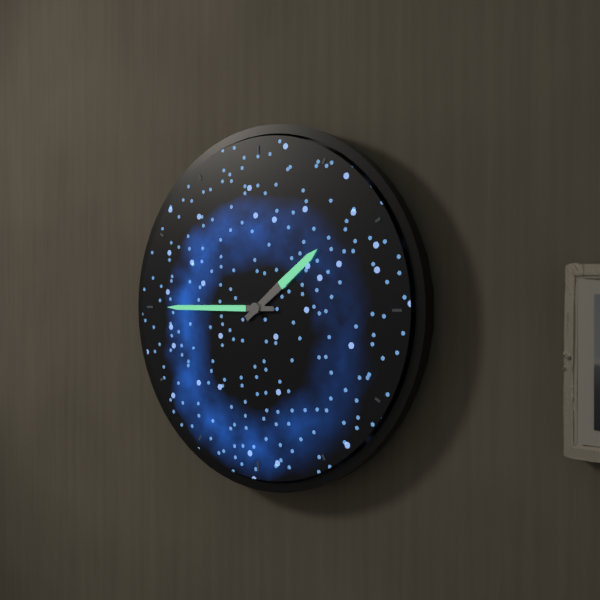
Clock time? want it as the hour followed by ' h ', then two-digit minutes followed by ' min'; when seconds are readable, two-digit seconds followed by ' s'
1 h 45 min
